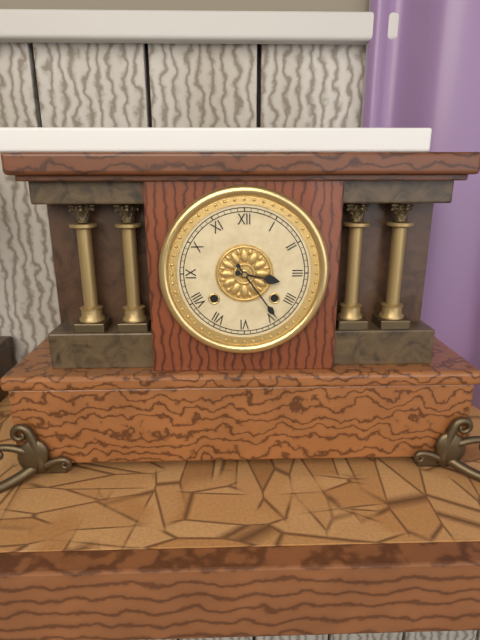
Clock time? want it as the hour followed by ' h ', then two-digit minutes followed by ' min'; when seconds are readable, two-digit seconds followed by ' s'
3 h 24 min
